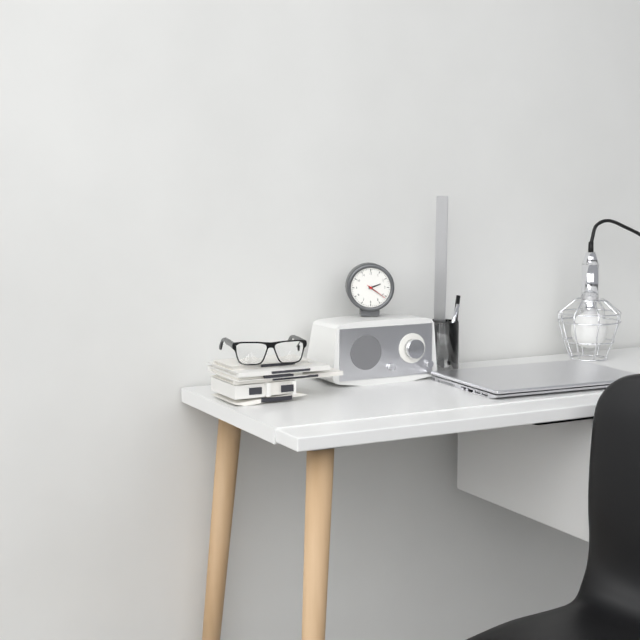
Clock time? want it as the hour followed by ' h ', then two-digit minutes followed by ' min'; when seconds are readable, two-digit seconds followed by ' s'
2 h 21 min
